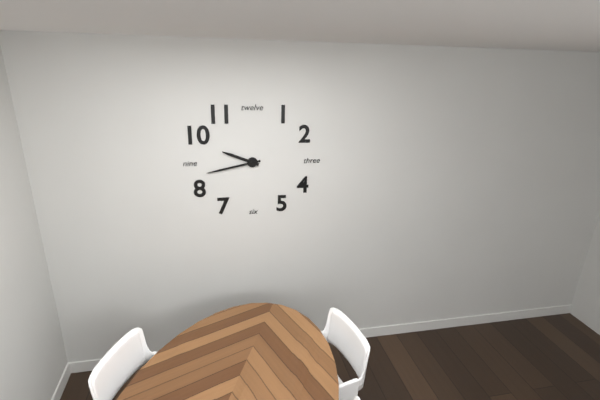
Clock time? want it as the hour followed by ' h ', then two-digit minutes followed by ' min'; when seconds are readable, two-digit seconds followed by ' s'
9 h 43 min
